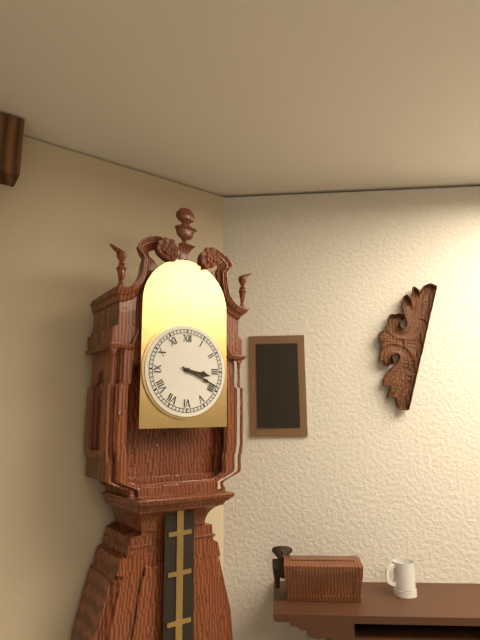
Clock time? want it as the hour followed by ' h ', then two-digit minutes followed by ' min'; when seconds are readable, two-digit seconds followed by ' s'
3 h 19 min
